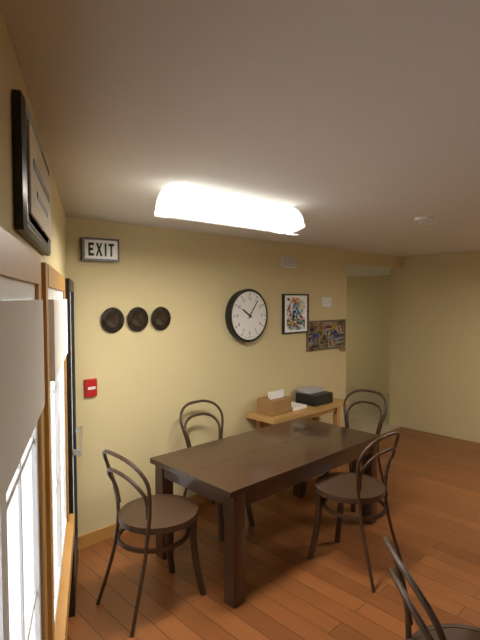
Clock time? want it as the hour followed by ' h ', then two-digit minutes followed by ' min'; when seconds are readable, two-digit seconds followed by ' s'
10 h 06 min
